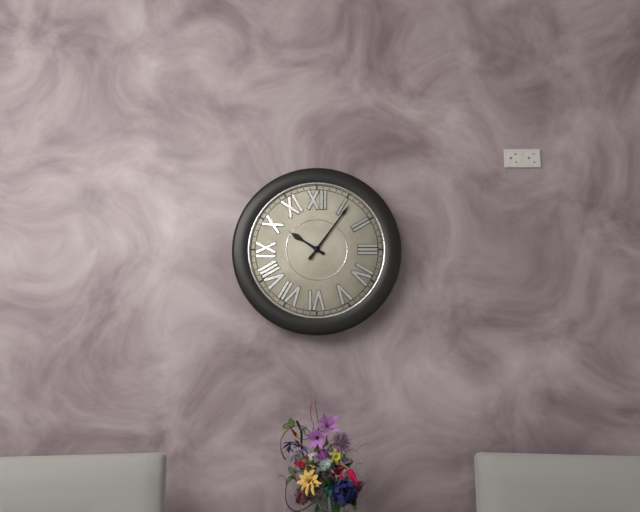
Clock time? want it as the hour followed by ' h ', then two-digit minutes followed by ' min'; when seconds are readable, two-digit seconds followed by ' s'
10 h 06 min
